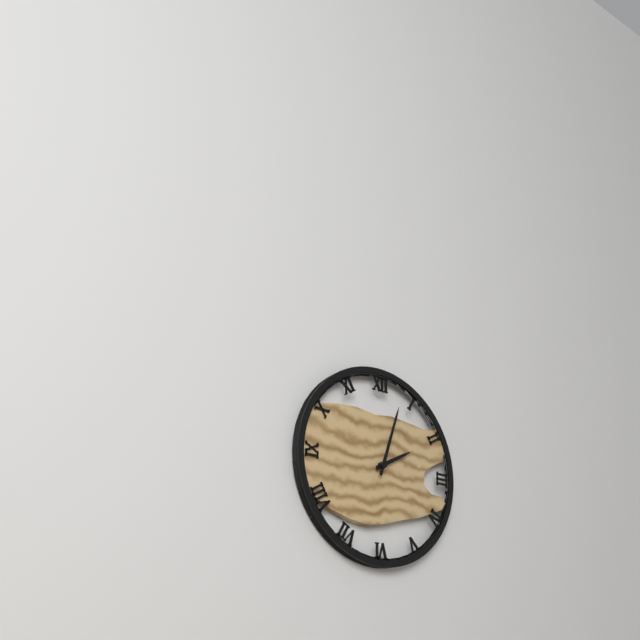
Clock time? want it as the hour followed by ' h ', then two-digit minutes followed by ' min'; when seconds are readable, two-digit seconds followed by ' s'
2 h 03 min
